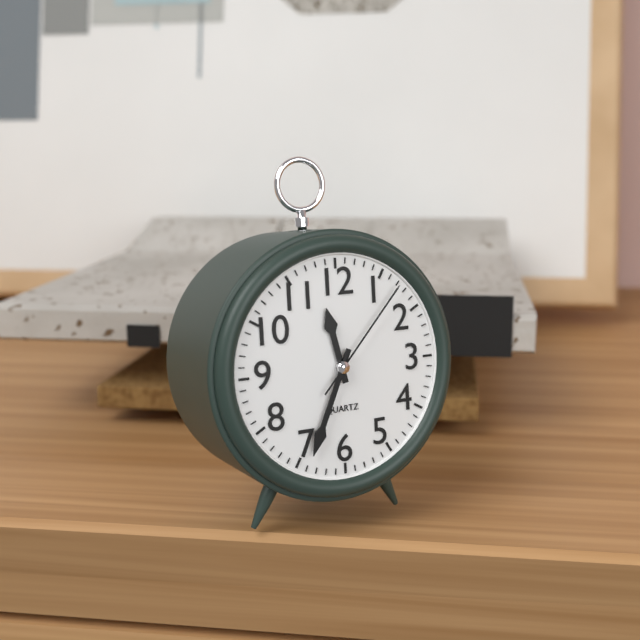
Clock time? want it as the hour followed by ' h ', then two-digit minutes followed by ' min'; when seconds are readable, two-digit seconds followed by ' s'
11 h 34 min 07 s
